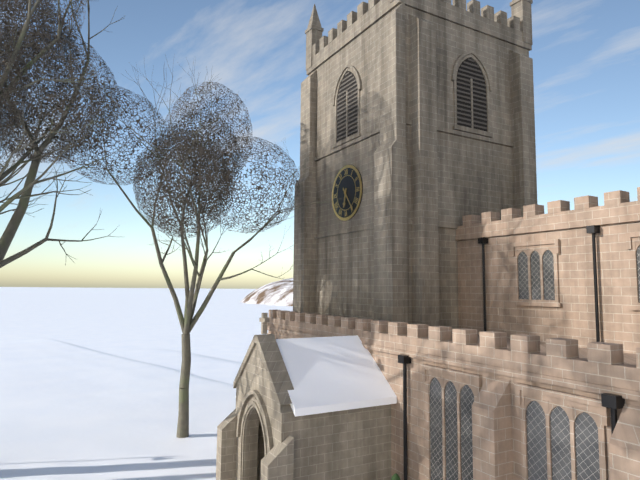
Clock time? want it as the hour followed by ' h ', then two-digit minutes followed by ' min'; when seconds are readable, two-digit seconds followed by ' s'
6 h 24 min
